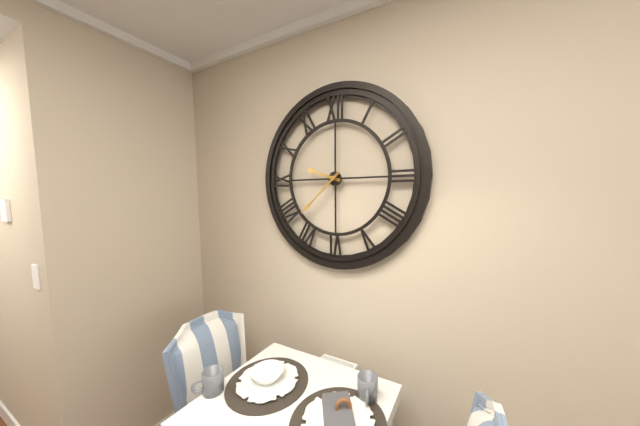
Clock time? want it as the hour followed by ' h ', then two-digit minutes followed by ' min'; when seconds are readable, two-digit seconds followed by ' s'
9 h 38 min
